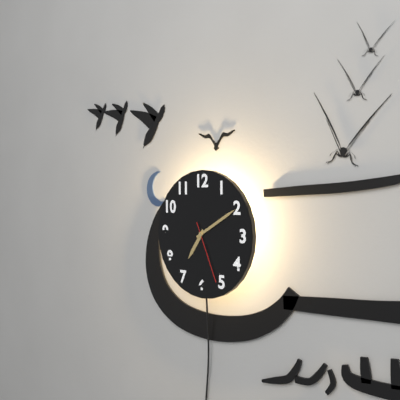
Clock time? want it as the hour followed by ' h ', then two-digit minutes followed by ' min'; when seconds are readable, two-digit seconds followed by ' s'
7 h 10 min 26 s
